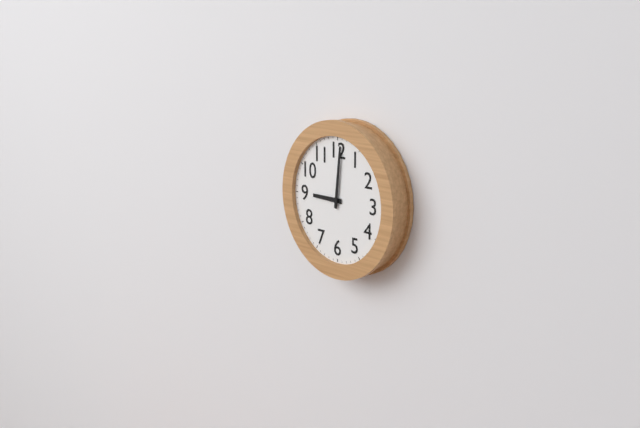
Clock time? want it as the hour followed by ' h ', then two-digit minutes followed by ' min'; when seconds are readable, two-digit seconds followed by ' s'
9 h 01 min
